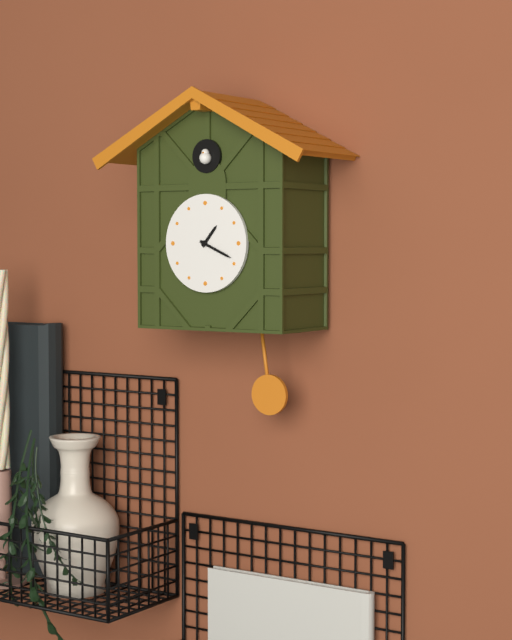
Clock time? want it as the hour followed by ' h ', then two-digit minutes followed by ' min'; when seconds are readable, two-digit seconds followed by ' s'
1 h 19 min
